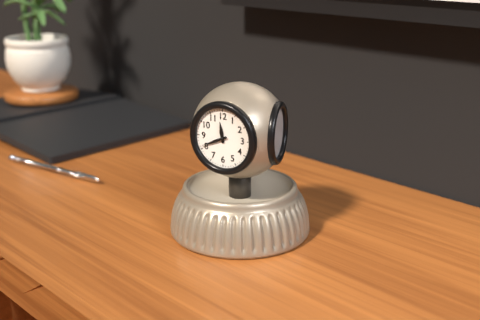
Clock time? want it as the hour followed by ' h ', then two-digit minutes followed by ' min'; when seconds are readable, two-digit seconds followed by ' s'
11 h 41 min
